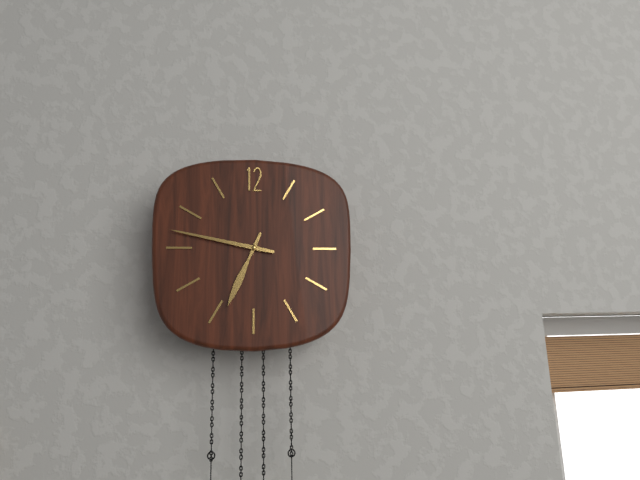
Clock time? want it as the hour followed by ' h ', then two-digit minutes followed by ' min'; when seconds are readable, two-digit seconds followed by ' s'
6 h 47 min
